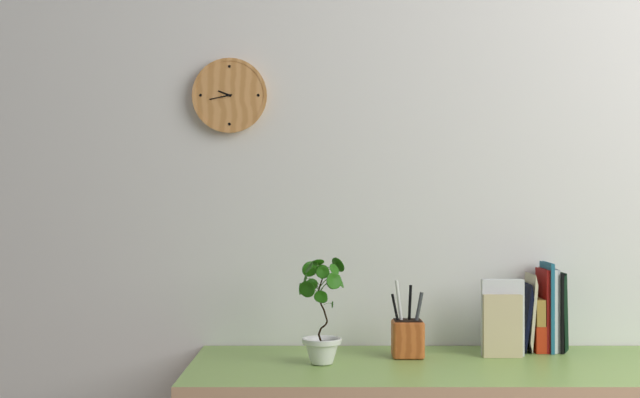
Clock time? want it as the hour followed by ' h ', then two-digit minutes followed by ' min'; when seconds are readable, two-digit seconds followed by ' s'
9 h 43 min
